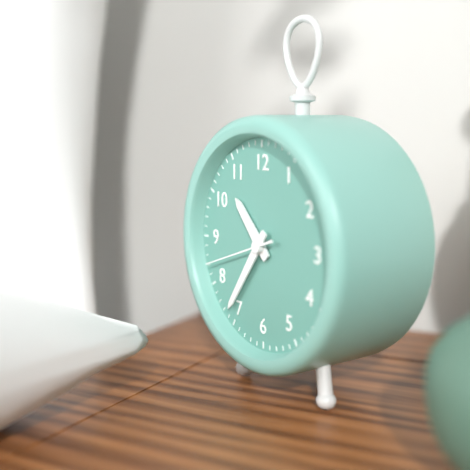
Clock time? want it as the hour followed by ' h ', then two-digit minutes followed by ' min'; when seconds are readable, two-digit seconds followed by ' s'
10 h 36 min 42 s
